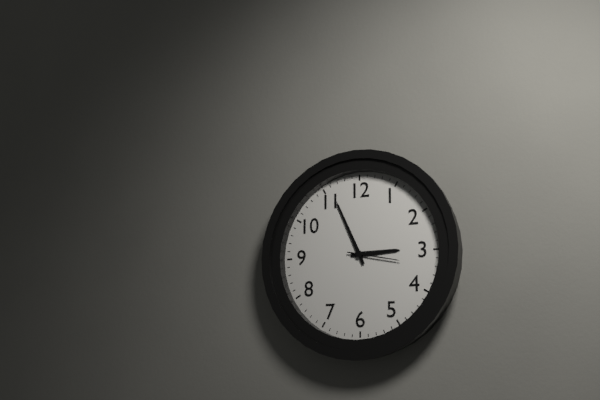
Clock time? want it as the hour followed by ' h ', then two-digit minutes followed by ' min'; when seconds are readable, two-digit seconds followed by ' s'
2 h 56 min 17 s
